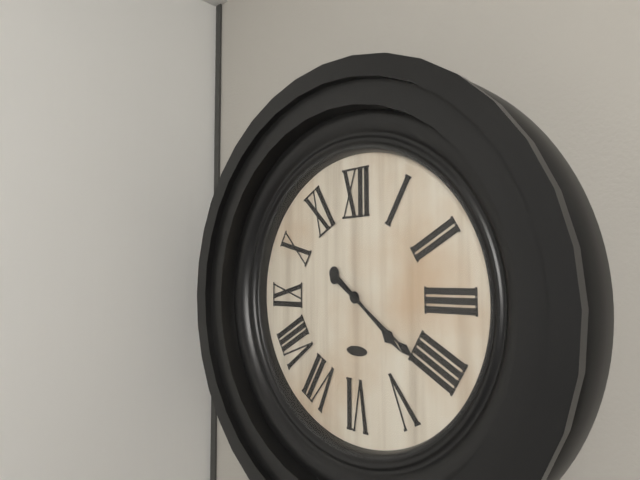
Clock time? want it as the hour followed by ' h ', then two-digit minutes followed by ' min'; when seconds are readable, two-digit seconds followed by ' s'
4 h 21 min
